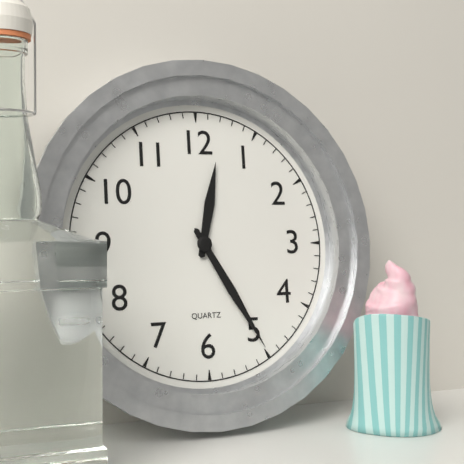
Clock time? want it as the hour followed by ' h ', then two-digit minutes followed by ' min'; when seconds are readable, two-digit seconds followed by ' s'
12 h 25 min
